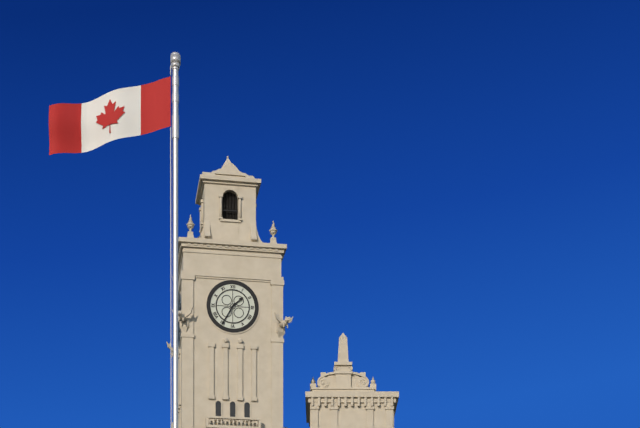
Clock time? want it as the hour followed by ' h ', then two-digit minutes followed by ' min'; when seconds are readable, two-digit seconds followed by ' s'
1 h 35 min
